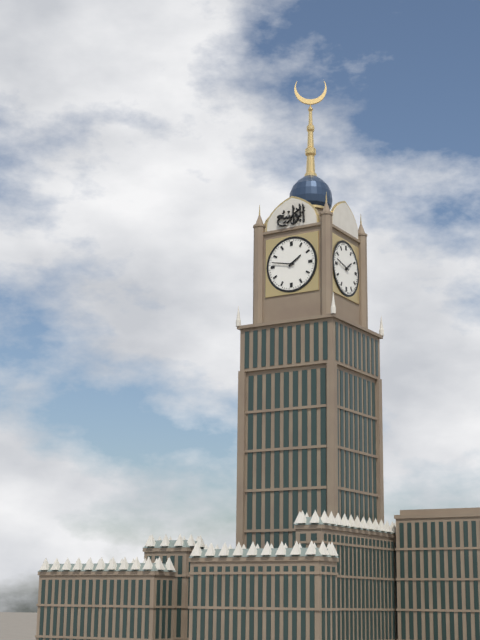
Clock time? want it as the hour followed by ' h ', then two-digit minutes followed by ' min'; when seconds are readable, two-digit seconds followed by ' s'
1 h 47 min
